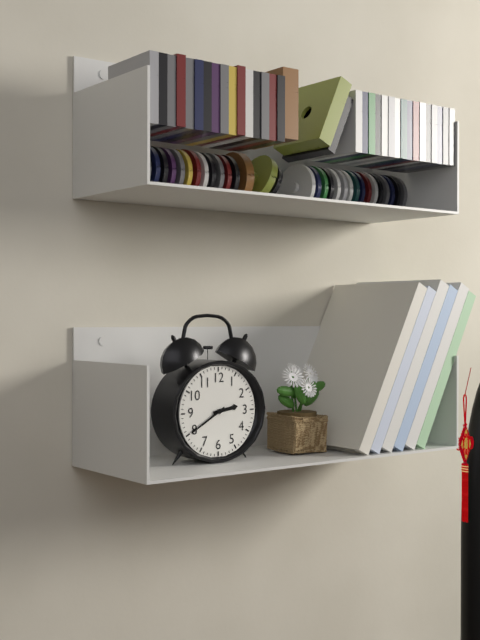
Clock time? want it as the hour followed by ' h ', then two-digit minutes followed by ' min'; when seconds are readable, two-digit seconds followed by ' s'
2 h 40 min
